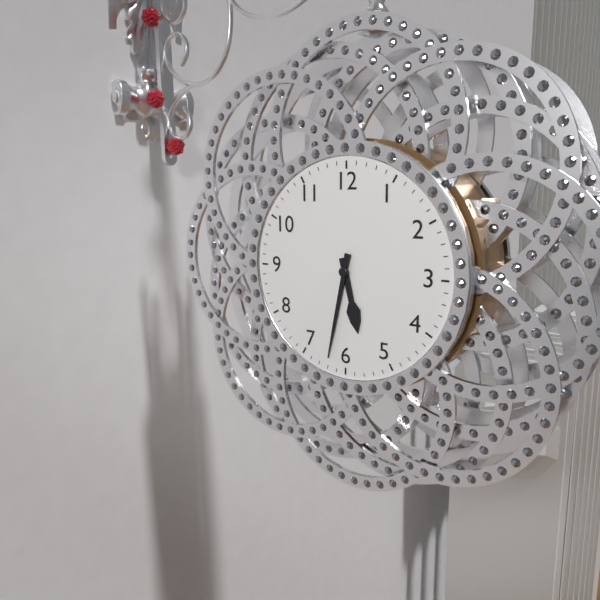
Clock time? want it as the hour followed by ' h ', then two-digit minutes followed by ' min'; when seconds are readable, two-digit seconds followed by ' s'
5 h 32 min
